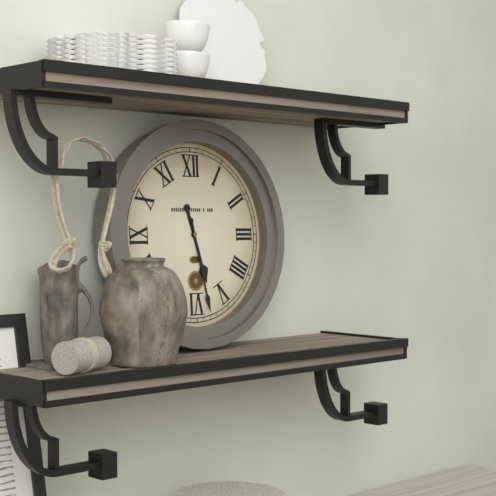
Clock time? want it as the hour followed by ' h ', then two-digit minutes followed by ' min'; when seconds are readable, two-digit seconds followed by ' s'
5 h 28 min
